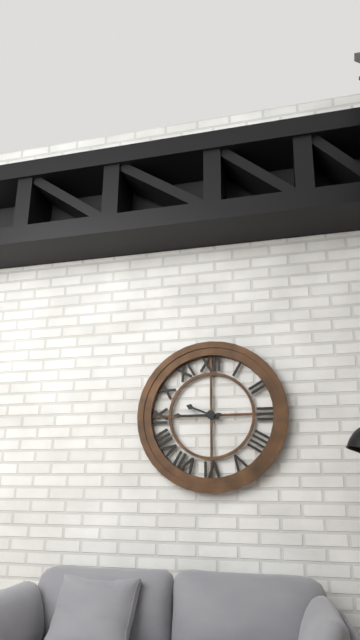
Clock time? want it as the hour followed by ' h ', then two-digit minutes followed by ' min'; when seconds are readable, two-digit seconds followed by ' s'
9 h 45 min
